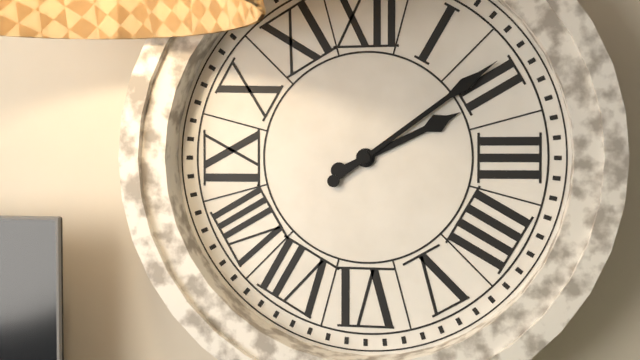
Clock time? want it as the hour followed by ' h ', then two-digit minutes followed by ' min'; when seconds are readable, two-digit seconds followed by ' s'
2 h 09 min
